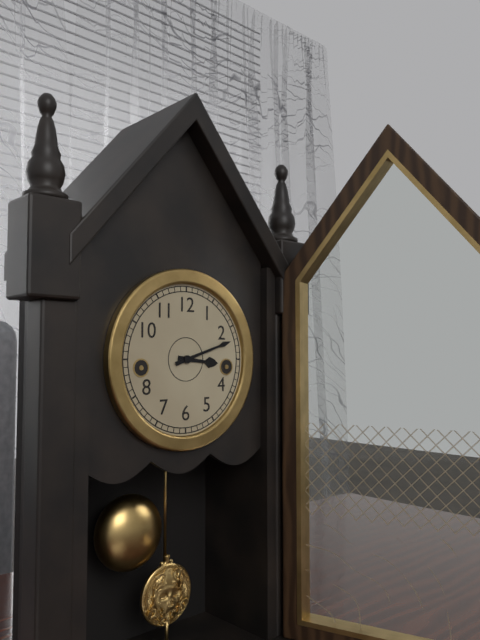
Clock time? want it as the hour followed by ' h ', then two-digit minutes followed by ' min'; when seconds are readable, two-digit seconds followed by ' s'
3 h 12 min
